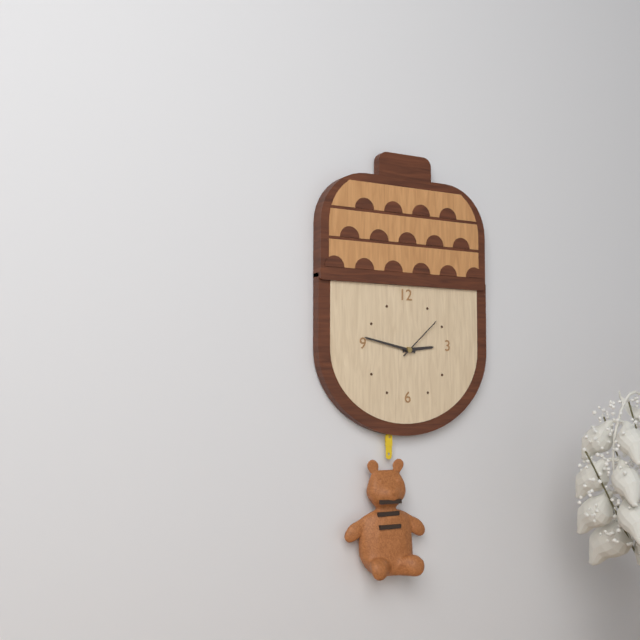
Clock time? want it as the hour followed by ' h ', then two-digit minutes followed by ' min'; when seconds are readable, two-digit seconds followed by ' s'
2 h 47 min 08 s
